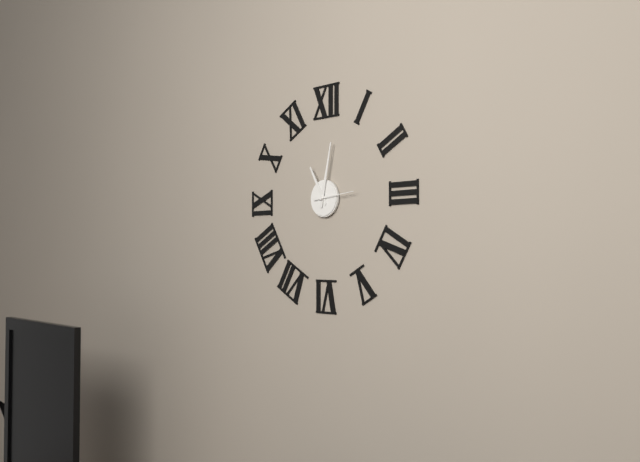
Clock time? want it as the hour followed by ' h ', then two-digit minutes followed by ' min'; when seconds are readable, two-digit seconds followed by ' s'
11 h 02 min
